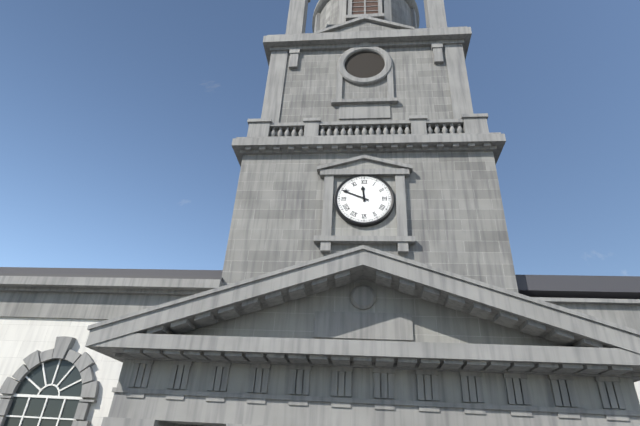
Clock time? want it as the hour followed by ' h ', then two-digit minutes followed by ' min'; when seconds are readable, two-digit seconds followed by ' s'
11 h 49 min
